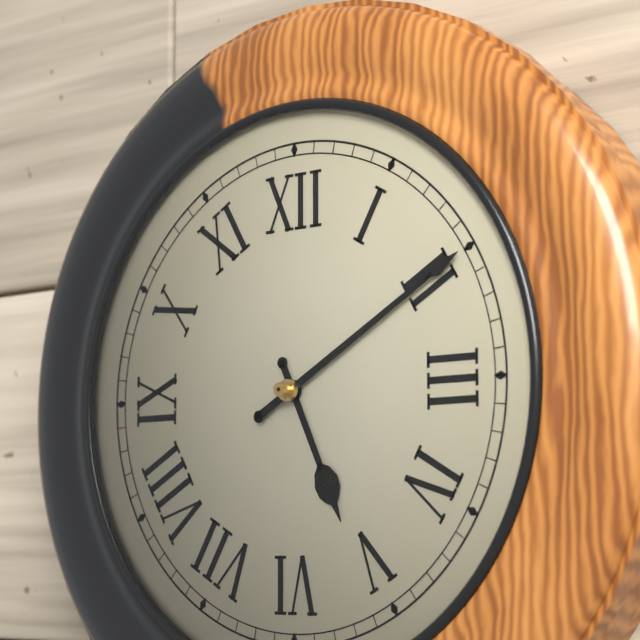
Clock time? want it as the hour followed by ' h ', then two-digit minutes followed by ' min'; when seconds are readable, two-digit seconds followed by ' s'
5 h 10 min
